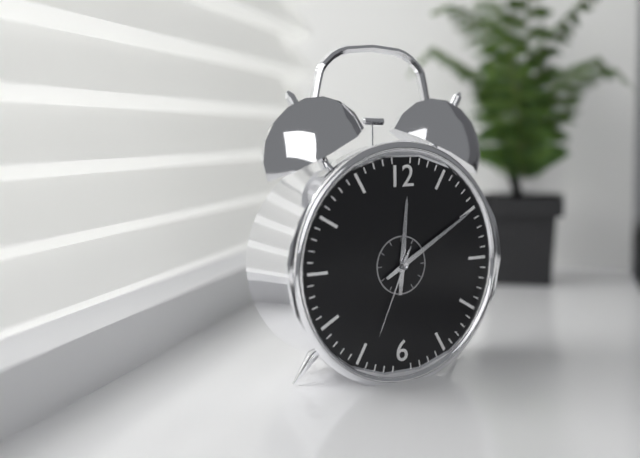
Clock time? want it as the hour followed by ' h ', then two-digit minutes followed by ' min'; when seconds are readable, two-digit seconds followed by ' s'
12 h 10 min 34 s
